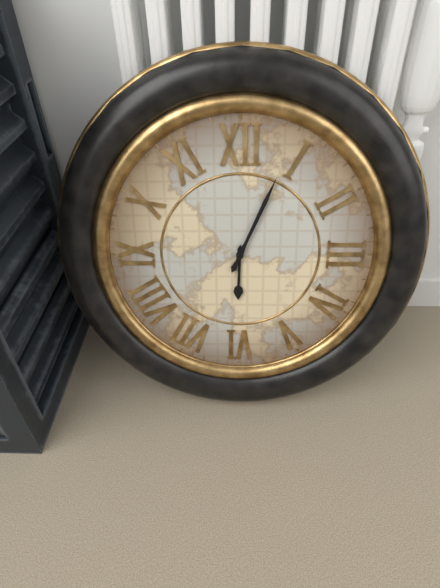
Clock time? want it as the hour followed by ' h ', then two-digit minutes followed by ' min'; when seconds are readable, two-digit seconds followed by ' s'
6 h 04 min
